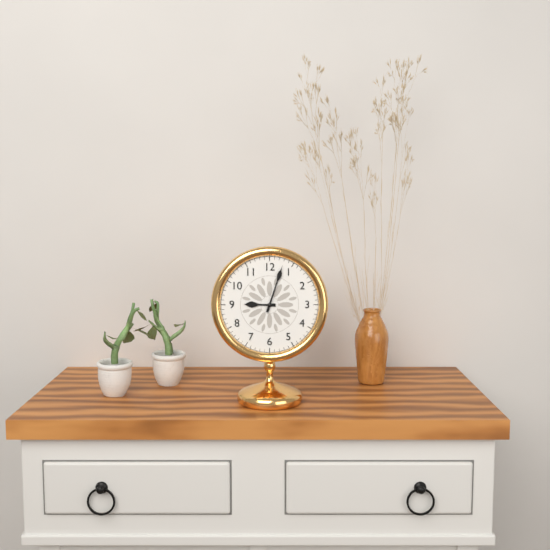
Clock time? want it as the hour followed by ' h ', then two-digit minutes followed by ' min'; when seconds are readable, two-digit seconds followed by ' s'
9 h 03 min
